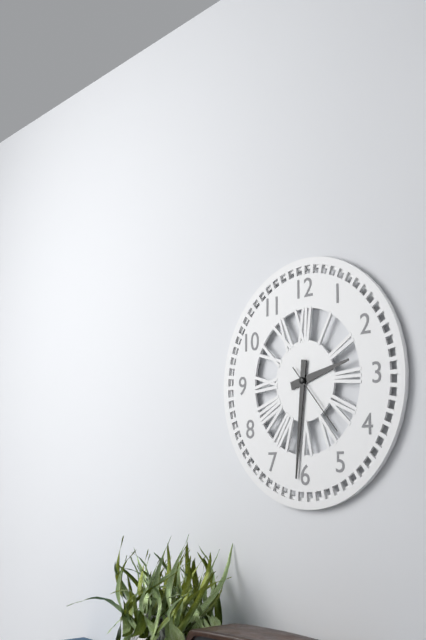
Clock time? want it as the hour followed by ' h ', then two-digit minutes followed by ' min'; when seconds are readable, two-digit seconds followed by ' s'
2 h 31 min 23 s
